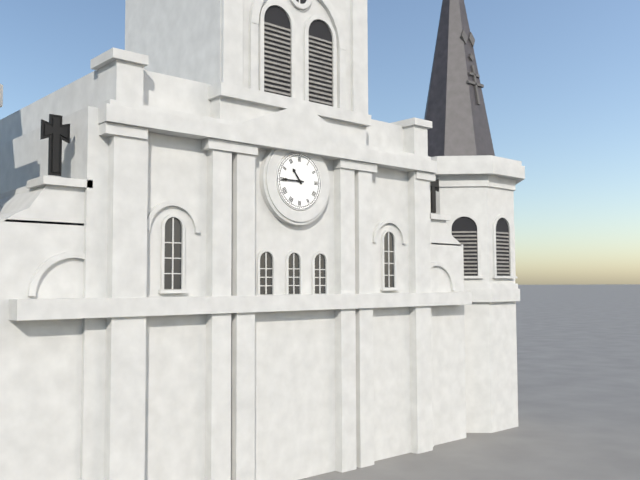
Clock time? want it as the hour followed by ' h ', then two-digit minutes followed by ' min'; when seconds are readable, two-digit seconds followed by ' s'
10 h 45 min
